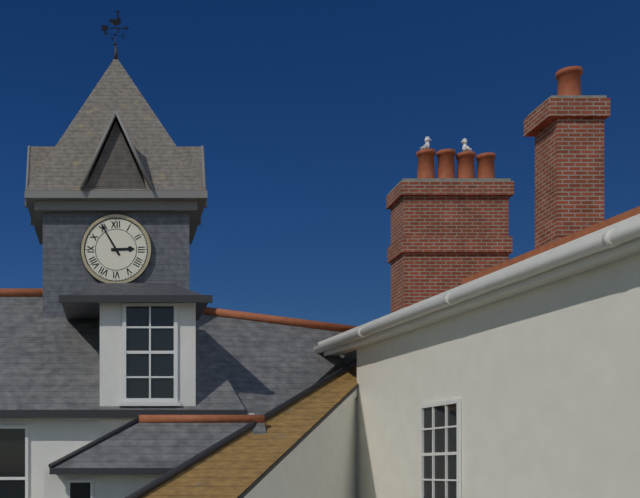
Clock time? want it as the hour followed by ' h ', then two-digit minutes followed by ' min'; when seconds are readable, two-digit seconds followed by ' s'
2 h 55 min
